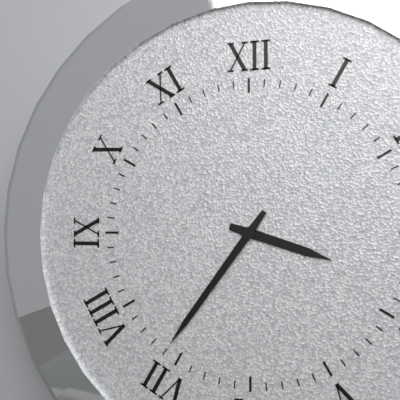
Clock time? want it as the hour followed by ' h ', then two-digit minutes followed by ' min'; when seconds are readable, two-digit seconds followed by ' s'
3 h 36 min
